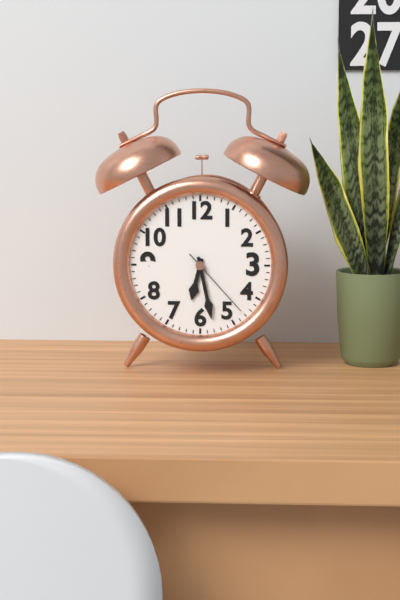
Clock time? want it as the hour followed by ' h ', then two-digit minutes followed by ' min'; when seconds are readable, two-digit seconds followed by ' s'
6 h 28 min 23 s
